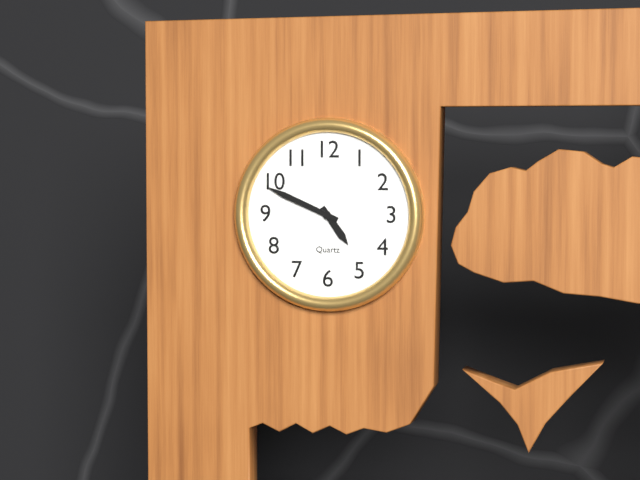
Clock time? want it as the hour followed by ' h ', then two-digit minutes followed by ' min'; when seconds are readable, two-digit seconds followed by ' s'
4 h 49 min
